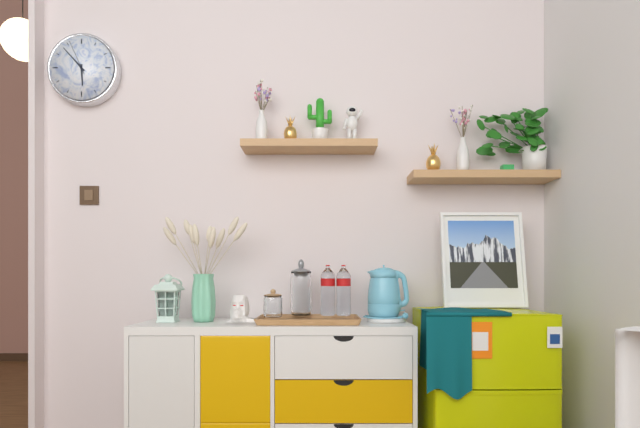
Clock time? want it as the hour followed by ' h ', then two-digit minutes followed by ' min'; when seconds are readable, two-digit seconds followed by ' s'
5 h 53 min
